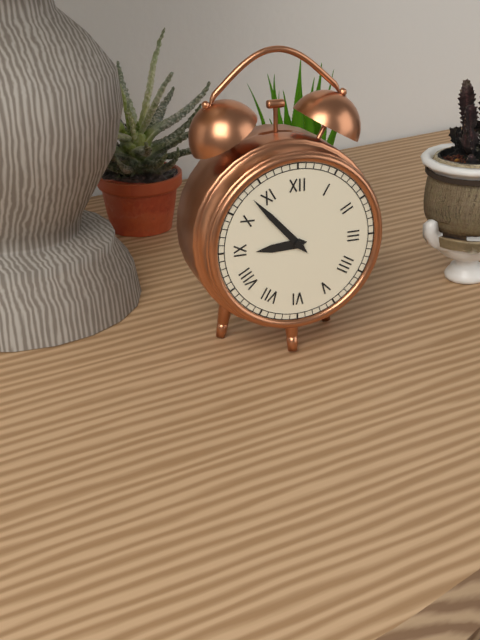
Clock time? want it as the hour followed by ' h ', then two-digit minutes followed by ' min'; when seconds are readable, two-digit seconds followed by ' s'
8 h 53 min
